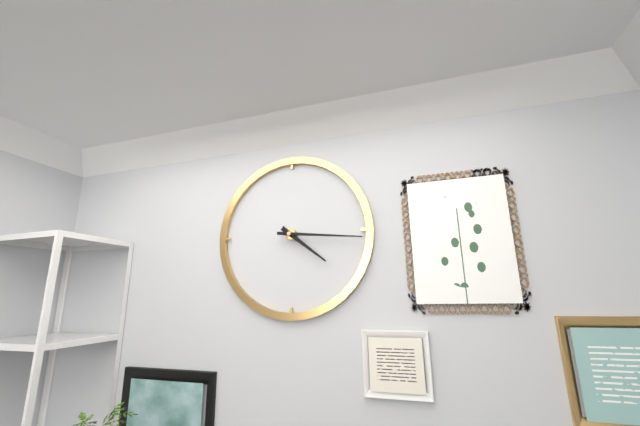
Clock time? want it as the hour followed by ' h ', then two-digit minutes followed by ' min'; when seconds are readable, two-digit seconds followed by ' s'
4 h 16 min
